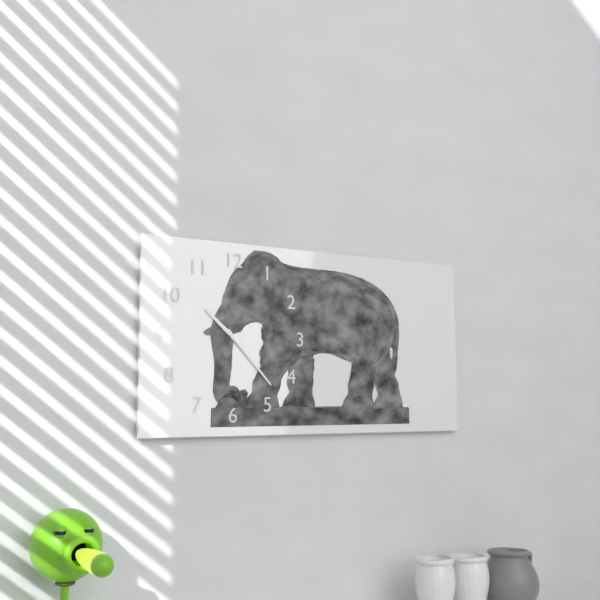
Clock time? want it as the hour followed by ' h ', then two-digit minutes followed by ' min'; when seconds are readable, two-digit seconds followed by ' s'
10 h 23 min
